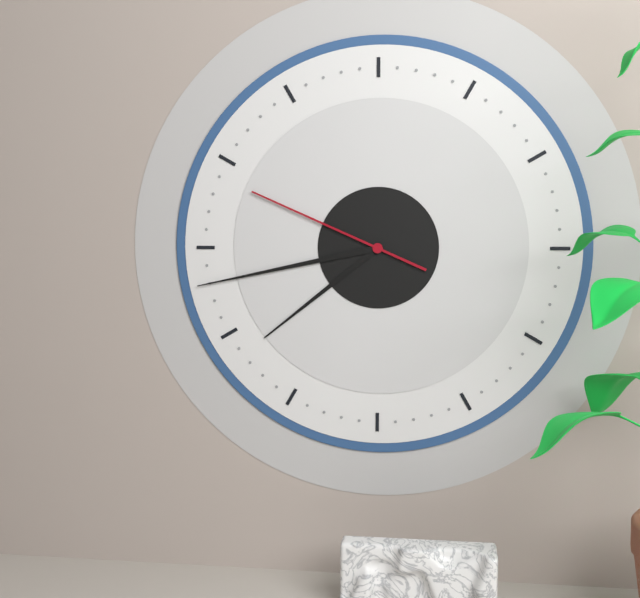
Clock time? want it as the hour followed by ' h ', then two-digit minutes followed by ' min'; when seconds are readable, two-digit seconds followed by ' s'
7 h 43 min 49 s
